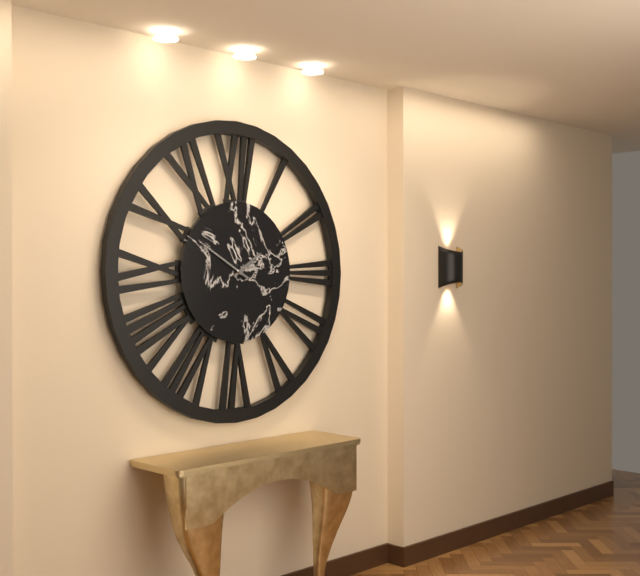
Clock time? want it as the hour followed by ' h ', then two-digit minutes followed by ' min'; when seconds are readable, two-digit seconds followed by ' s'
1 h 50 min
